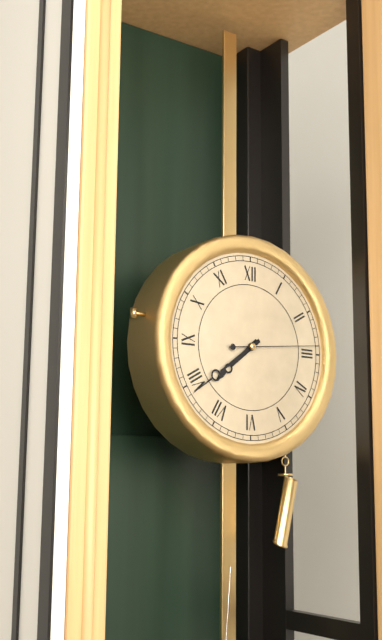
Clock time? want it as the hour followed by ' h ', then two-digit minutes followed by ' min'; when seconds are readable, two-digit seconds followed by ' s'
7 h 39 min 14 s
